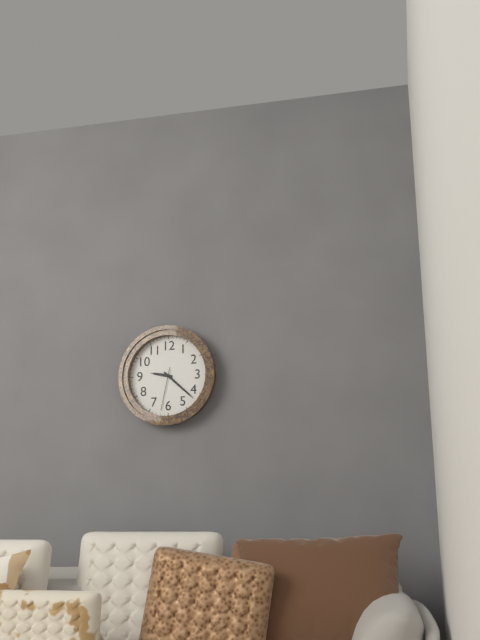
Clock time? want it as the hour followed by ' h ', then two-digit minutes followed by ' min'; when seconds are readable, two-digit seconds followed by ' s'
9 h 22 min
